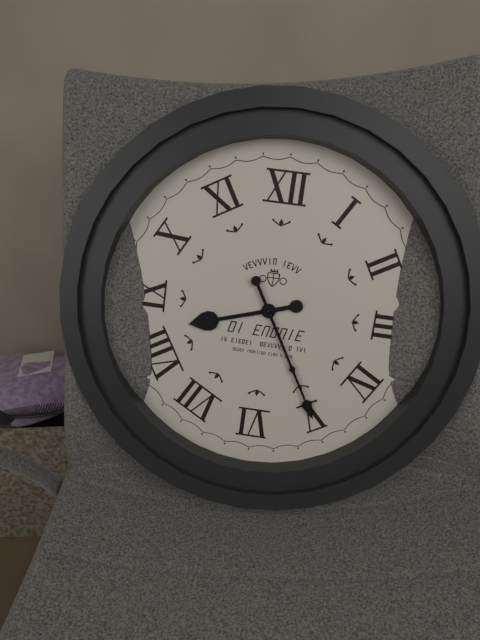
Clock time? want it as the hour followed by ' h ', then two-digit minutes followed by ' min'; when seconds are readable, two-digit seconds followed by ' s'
8 h 25 min
